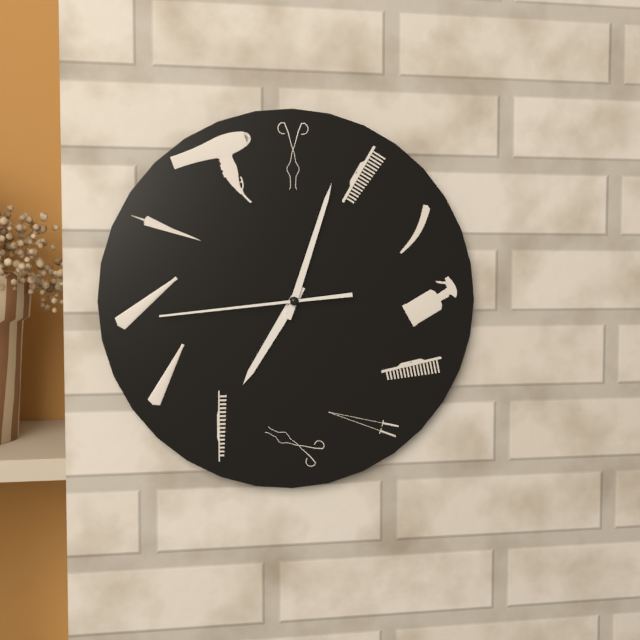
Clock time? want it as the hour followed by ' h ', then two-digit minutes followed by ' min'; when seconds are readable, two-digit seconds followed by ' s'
7 h 03 min 44 s
